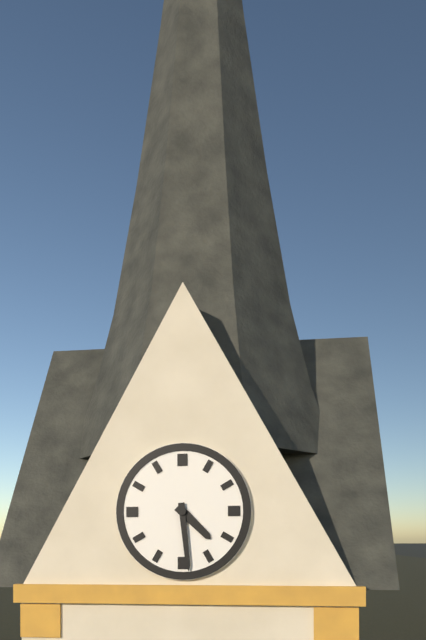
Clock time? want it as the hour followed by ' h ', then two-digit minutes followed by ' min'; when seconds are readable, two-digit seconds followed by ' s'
4 h 29 min
